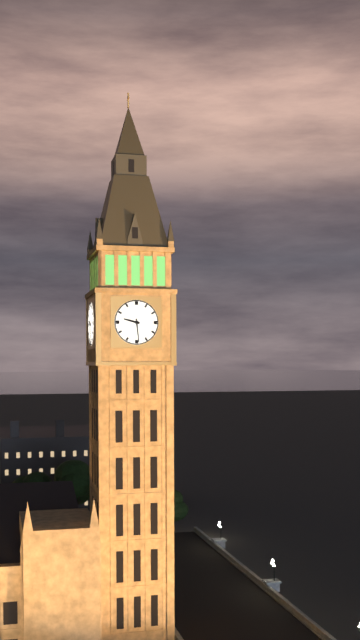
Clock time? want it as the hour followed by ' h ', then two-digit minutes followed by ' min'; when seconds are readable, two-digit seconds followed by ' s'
9 h 29 min
